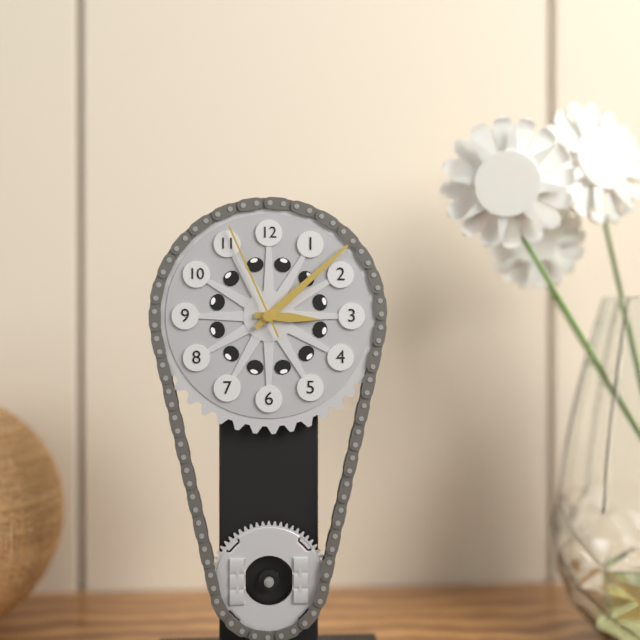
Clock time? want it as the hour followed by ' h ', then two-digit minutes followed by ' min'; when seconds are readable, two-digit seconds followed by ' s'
3 h 08 min 56 s
